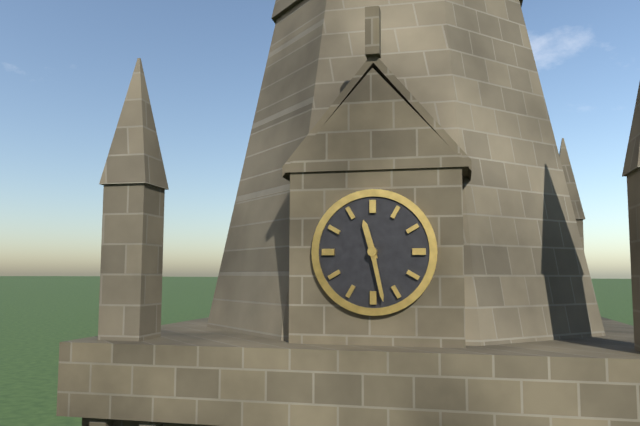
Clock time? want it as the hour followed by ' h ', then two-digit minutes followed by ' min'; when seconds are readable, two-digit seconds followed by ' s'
11 h 28 min
